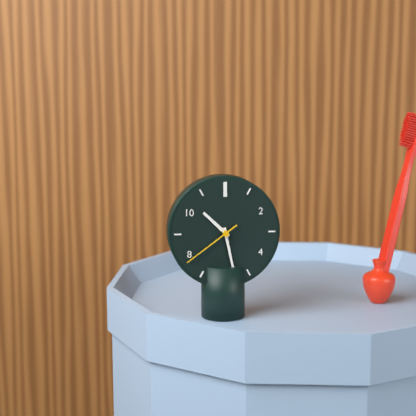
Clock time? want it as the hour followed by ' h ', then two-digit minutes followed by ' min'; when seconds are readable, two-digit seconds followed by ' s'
10 h 28 min 39 s
